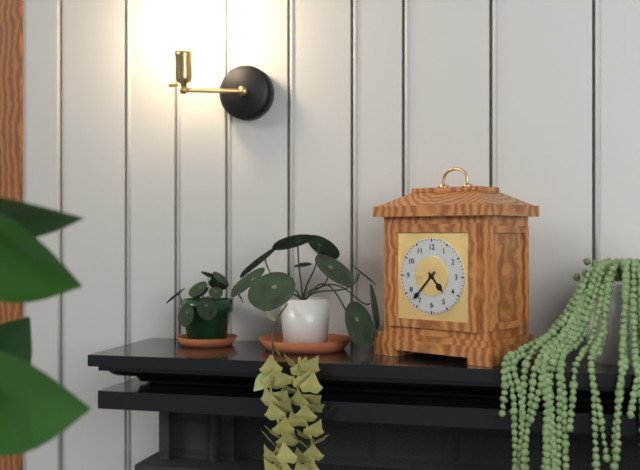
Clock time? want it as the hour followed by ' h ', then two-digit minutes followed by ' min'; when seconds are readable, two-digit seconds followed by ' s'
4 h 37 min
